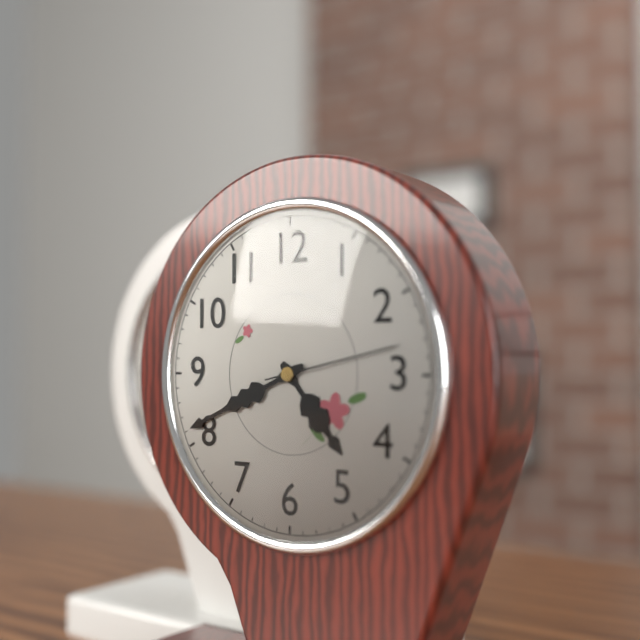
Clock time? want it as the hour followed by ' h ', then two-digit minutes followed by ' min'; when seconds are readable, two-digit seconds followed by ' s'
4 h 41 min 13 s
